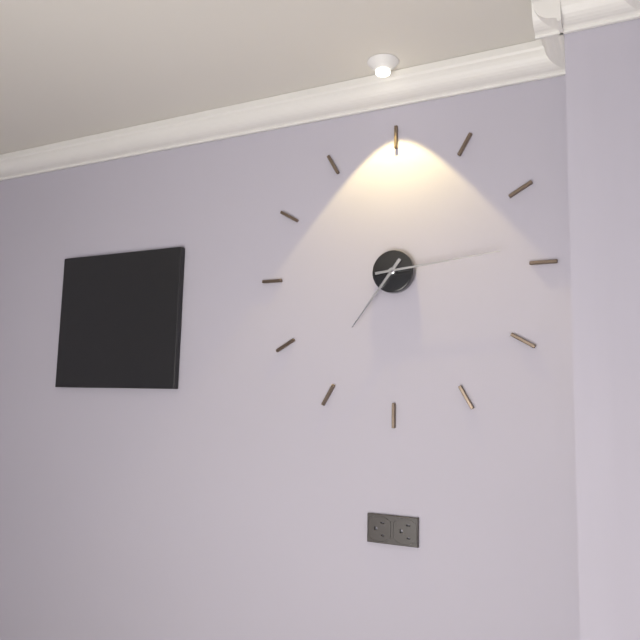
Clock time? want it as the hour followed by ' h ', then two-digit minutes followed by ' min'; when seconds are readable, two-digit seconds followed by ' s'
7 h 14 min
